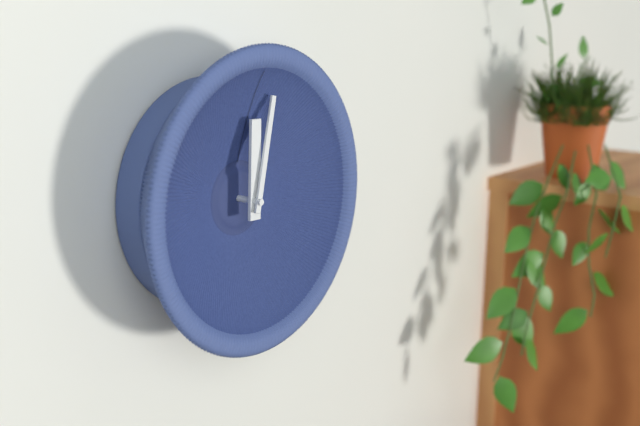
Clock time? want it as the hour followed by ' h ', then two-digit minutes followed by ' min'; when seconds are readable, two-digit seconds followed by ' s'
12 h 02 min
